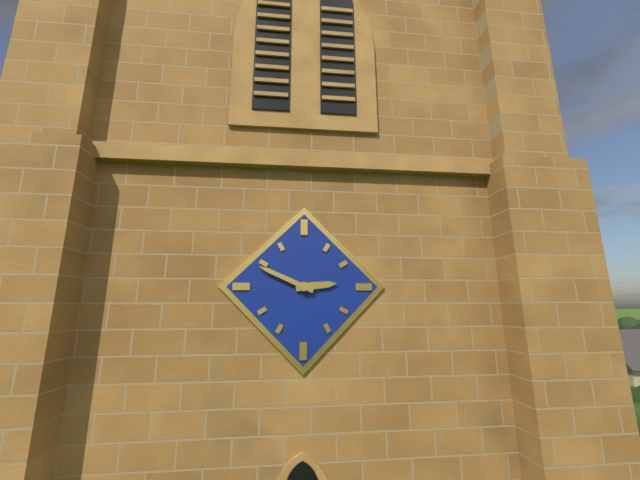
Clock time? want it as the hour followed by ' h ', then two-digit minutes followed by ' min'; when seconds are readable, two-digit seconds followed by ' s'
2 h 49 min
